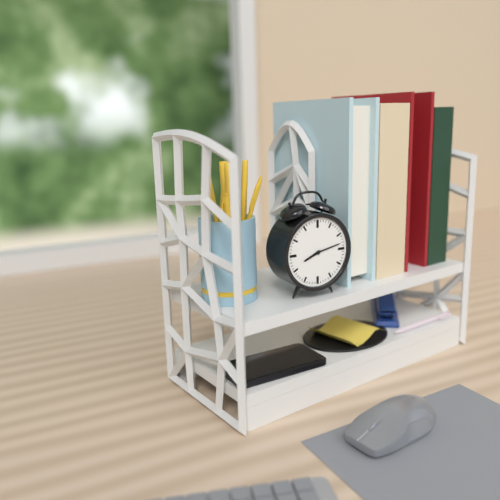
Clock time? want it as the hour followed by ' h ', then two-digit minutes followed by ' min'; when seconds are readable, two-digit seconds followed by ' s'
8 h 13 min
